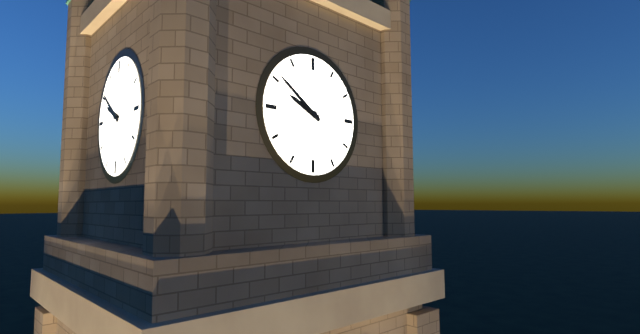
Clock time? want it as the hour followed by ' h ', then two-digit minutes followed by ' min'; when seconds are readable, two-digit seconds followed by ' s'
9 h 51 min
